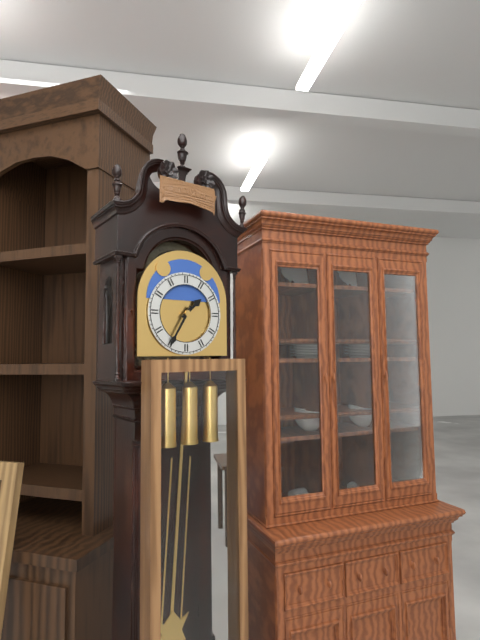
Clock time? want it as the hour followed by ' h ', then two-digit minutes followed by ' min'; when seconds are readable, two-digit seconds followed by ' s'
1 h 35 min
